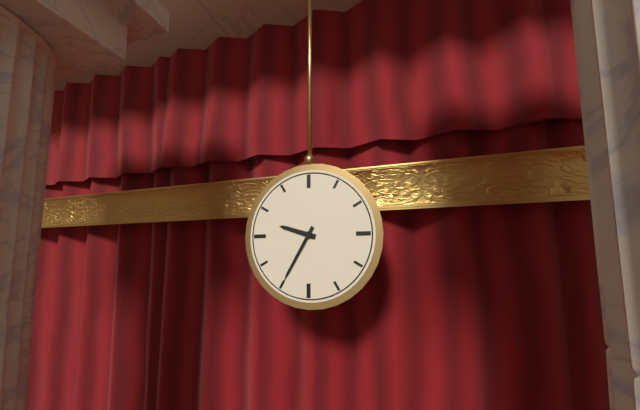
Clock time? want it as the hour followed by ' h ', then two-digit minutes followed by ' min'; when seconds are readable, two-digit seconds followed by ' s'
9 h 35 min
